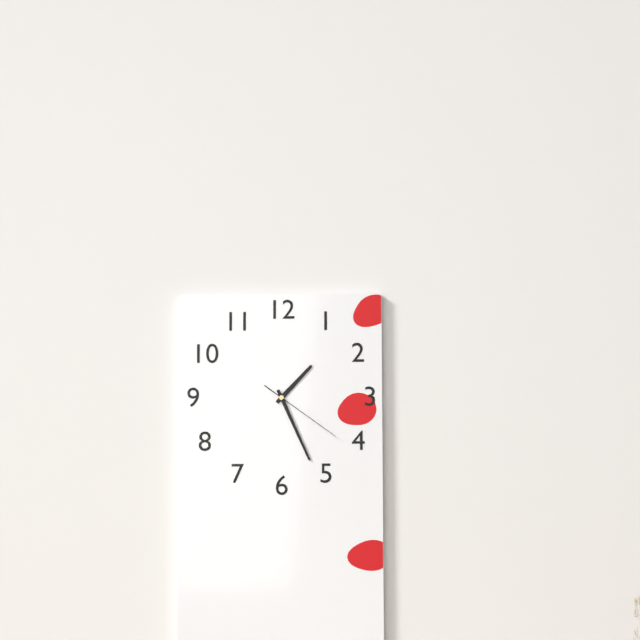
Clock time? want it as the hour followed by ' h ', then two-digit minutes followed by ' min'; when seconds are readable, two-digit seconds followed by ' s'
1 h 26 min 21 s
